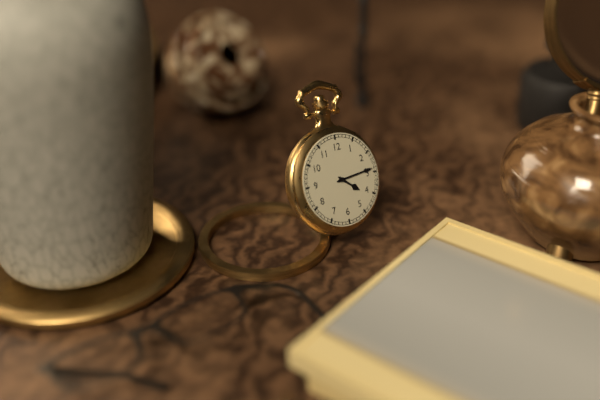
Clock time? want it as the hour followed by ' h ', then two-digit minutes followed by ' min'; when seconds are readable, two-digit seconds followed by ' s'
4 h 14 min
